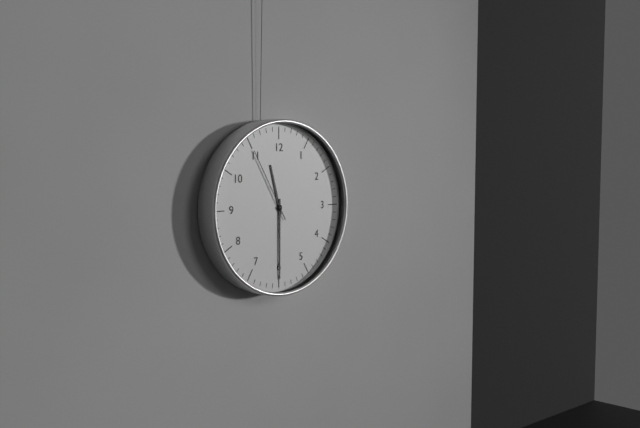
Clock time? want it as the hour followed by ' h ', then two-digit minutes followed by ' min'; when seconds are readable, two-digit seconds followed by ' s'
11 h 30 min 55 s
